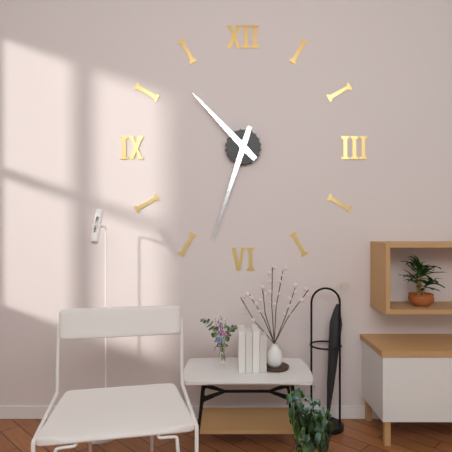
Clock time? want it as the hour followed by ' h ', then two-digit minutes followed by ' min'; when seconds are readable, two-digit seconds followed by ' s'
10 h 33 min
